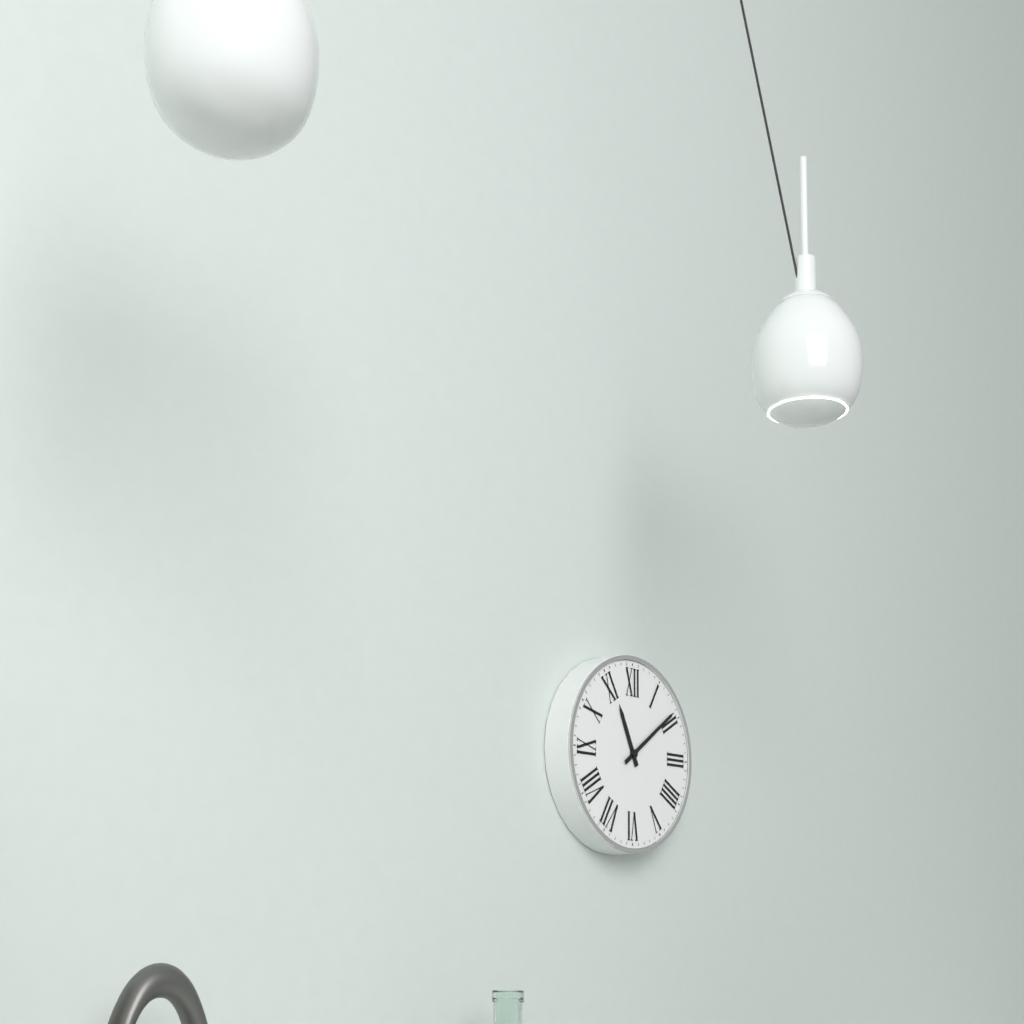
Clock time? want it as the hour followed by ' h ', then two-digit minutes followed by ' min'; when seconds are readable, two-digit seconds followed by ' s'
11 h 09 min
